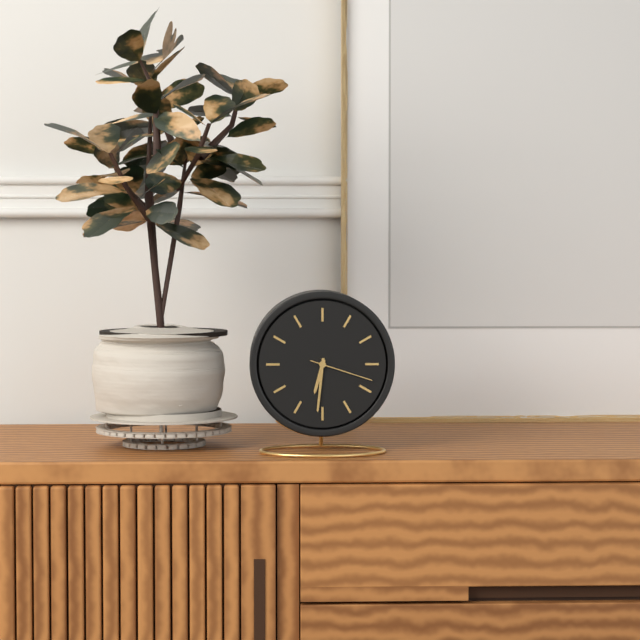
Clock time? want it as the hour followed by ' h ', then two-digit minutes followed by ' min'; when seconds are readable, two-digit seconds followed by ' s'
6 h 31 min 18 s
